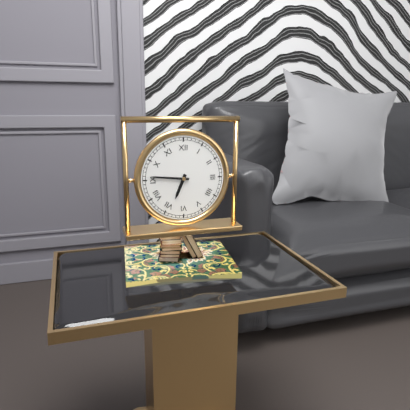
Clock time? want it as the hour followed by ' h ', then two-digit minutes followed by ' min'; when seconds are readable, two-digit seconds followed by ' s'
6 h 46 min
